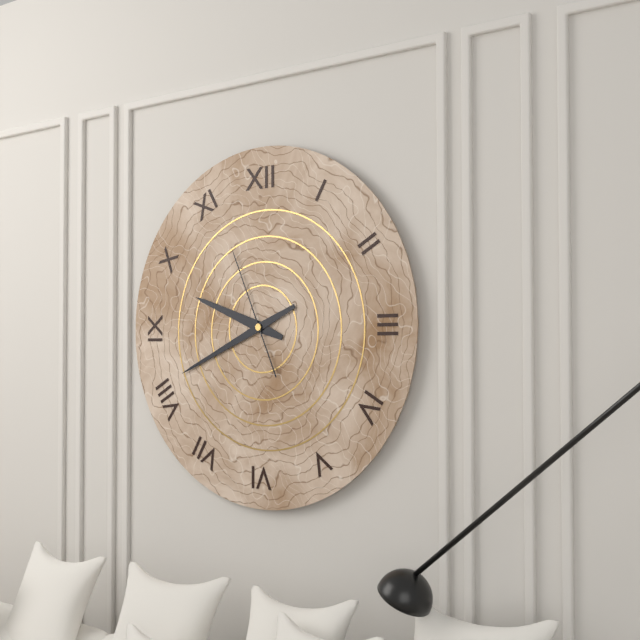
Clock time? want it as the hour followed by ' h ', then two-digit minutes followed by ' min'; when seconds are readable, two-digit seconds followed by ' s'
9 h 41 min 56 s
